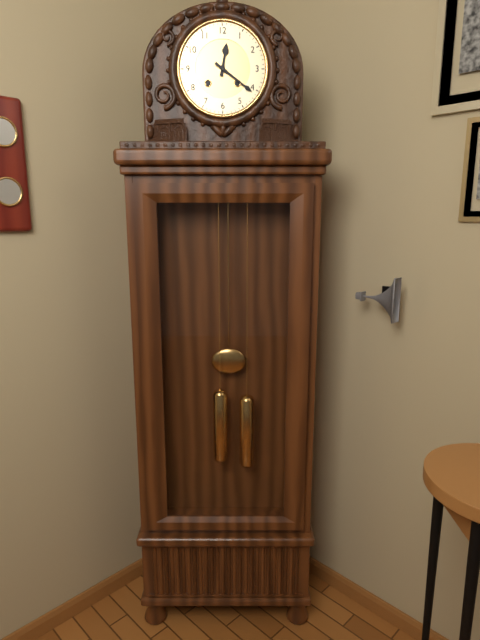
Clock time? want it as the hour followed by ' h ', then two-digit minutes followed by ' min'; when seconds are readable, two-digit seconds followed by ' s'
12 h 21 min
